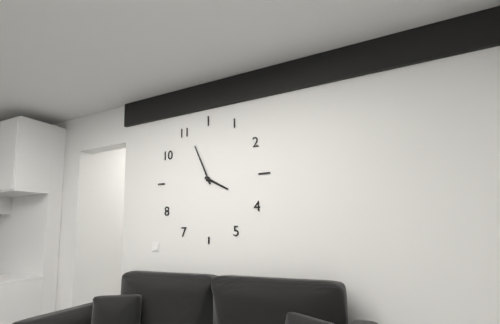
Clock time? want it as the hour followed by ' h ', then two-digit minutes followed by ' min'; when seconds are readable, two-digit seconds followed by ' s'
3 h 56 min
